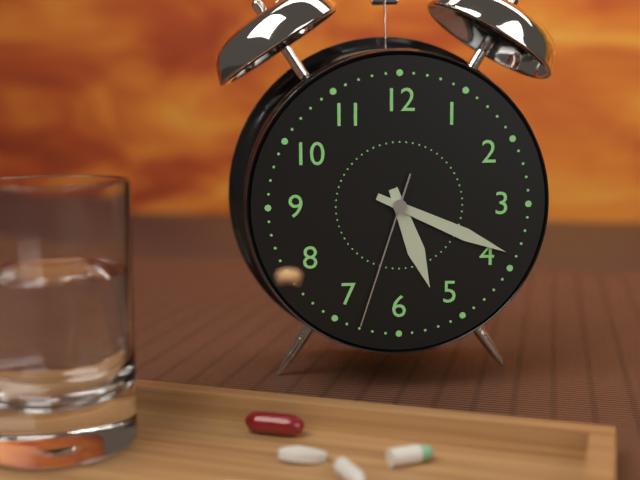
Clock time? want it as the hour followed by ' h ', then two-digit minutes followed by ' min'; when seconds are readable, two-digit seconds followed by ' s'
5 h 19 min 33 s
